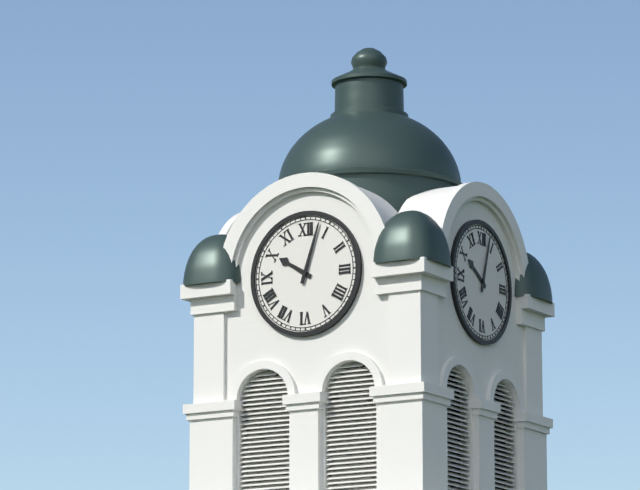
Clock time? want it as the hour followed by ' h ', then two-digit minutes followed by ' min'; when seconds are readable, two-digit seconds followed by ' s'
10 h 03 min
